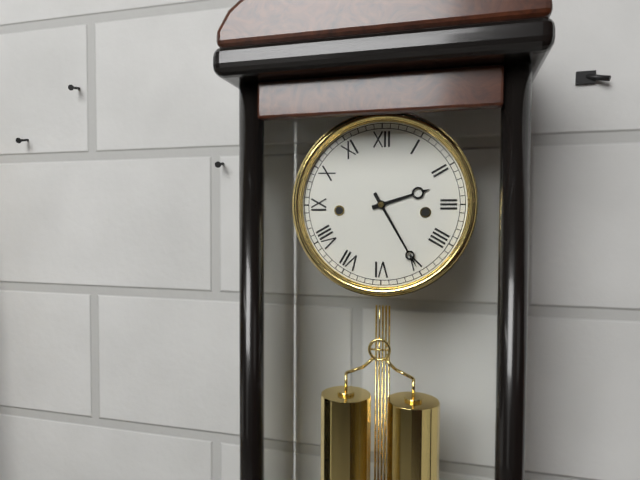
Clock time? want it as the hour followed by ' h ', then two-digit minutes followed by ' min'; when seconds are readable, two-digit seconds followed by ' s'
2 h 25 min
